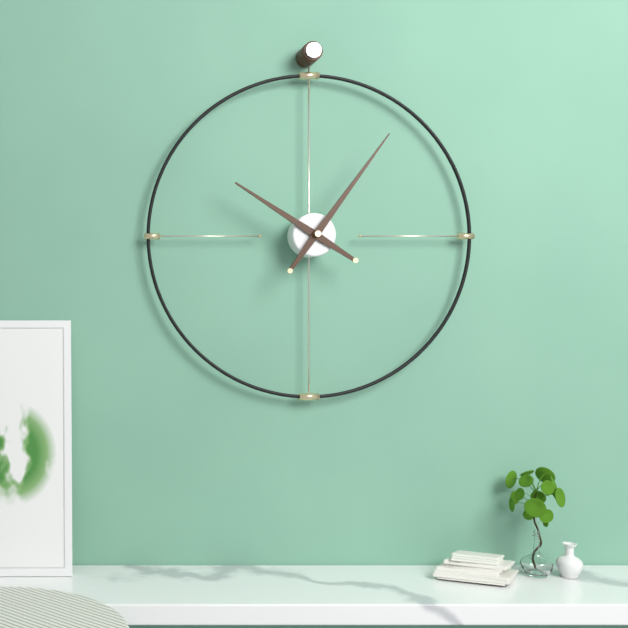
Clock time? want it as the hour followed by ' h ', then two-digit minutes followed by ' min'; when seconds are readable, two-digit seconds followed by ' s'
10 h 06 min
